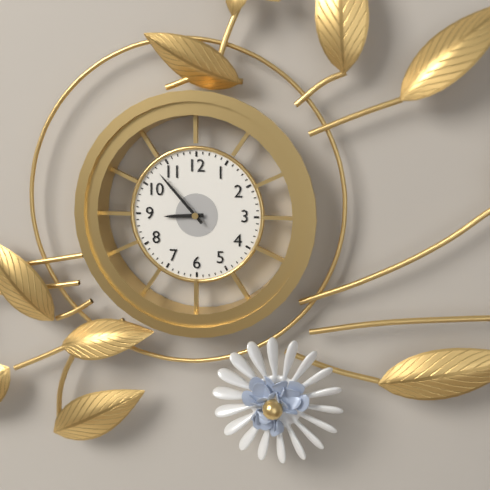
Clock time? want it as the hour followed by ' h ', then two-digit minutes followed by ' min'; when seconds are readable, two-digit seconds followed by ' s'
8 h 53 min
